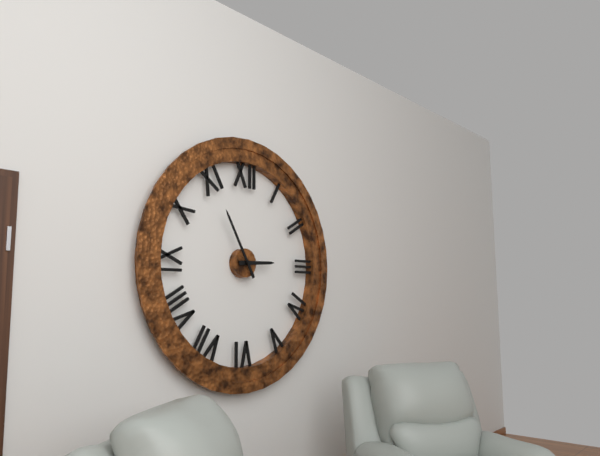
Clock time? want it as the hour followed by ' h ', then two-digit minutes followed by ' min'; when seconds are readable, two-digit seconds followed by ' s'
2 h 55 min
